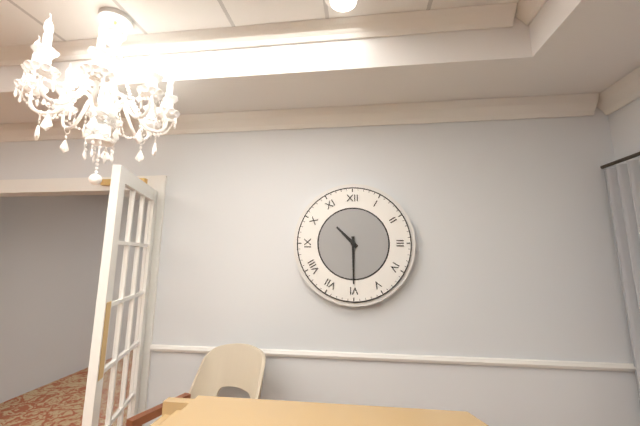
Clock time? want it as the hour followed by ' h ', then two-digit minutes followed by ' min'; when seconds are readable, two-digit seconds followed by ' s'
10 h 30 min
